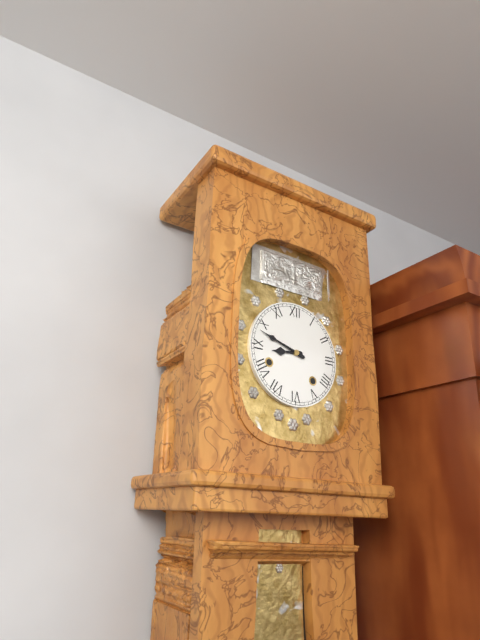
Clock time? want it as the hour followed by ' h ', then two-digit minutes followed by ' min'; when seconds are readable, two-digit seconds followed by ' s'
8 h 48 min
